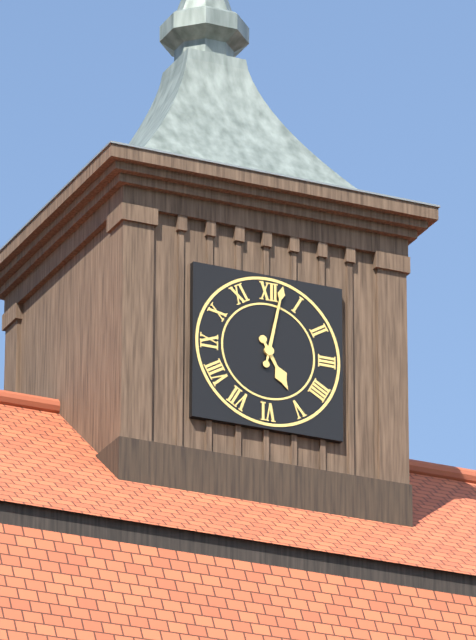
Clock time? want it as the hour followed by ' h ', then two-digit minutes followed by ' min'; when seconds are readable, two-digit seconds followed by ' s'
5 h 02 min
